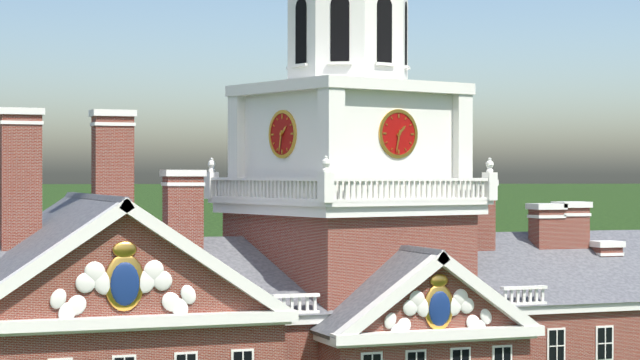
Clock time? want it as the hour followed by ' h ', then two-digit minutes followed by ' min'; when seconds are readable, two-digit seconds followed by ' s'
1 h 32 min
